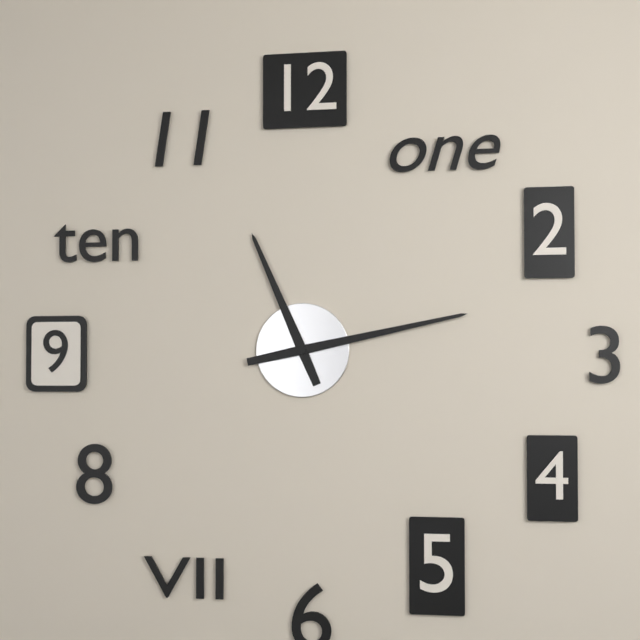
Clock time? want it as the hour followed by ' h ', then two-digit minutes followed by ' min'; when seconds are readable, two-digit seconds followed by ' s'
11 h 13 min
